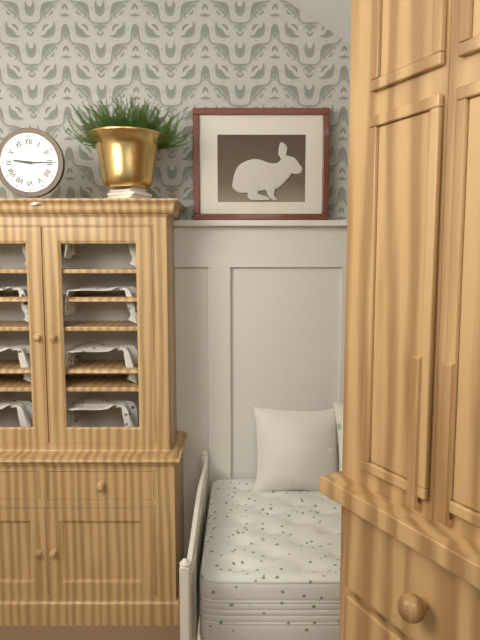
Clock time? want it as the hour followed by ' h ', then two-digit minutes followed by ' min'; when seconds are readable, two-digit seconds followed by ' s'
9 h 15 min
